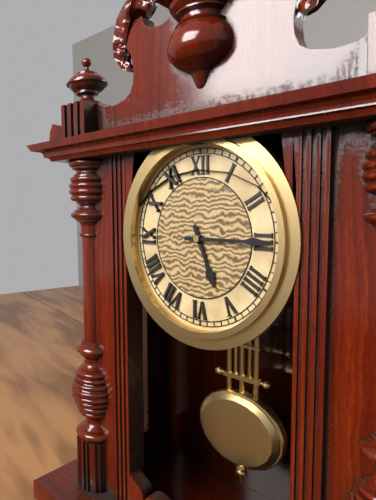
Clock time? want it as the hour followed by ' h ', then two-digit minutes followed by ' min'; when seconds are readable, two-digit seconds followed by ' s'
5 h 15 min
